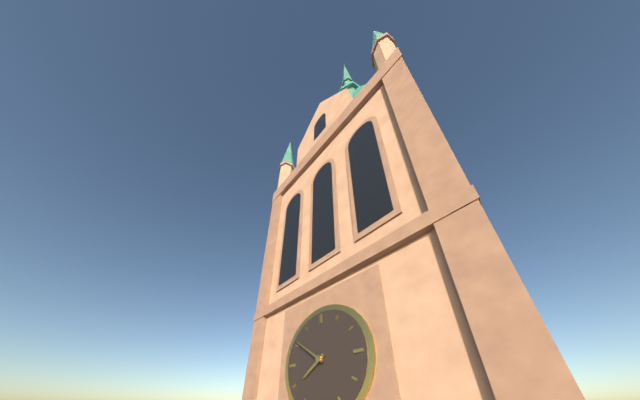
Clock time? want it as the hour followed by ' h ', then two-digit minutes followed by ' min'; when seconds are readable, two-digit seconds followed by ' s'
7 h 51 min
